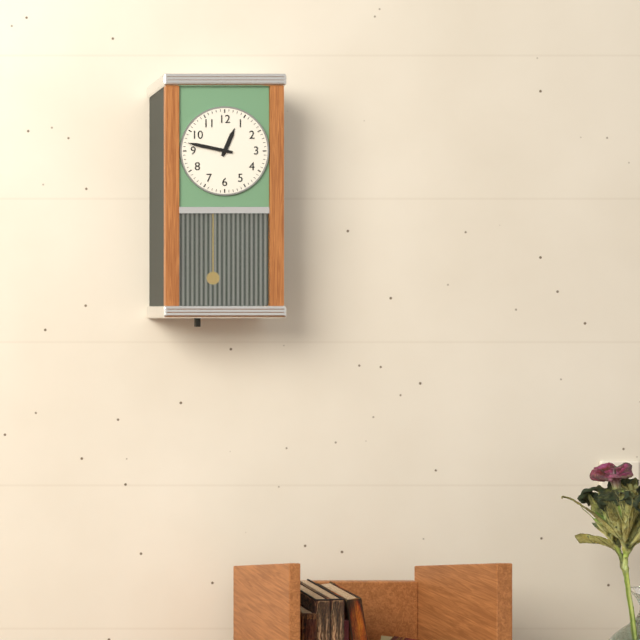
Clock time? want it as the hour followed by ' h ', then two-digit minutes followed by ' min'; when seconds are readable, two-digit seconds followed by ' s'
12 h 47 min
